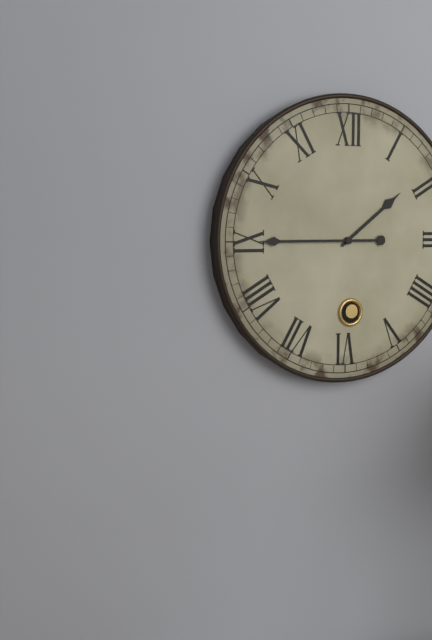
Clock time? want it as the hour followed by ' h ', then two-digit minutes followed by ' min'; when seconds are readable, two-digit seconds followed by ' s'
1 h 45 min
